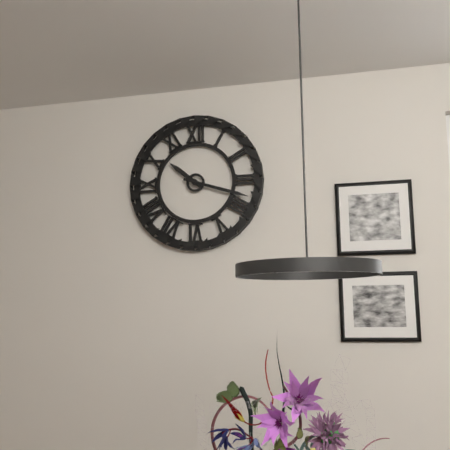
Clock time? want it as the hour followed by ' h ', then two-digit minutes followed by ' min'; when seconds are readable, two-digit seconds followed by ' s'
10 h 18 min
